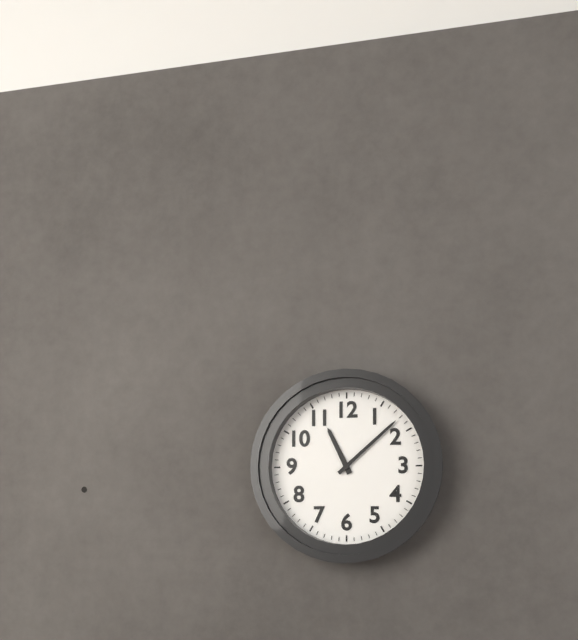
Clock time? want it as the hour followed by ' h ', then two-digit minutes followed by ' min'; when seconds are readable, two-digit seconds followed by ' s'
11 h 08 min
